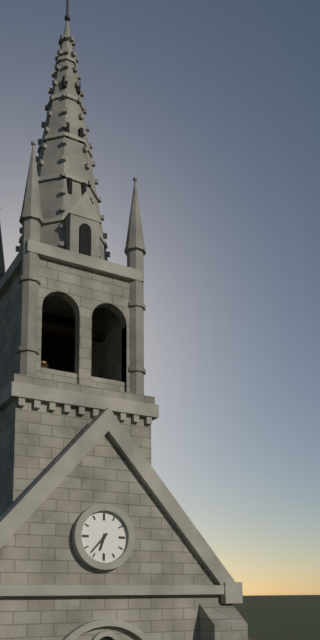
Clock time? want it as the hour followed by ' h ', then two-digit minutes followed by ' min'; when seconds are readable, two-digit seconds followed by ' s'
6 h 37 min
